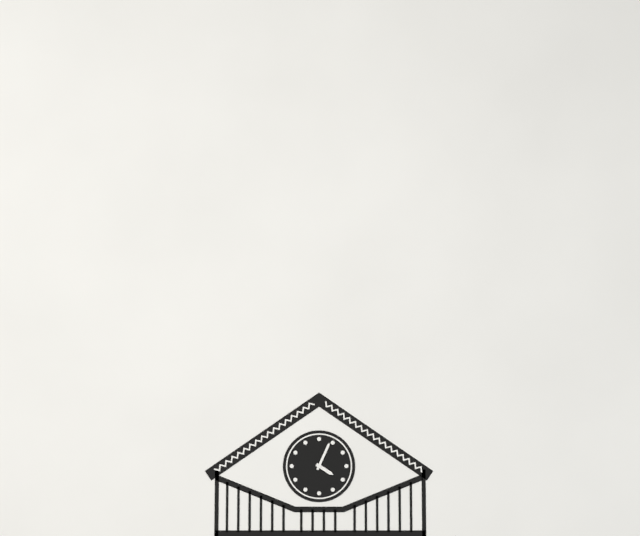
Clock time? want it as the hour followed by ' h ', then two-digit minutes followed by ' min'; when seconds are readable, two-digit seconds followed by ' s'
4 h 04 min
